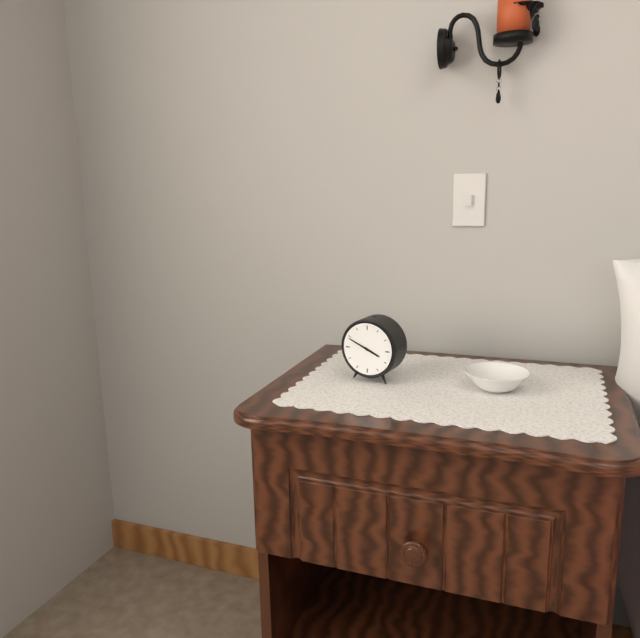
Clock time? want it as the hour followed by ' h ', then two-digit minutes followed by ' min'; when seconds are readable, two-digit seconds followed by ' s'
3 h 49 min
